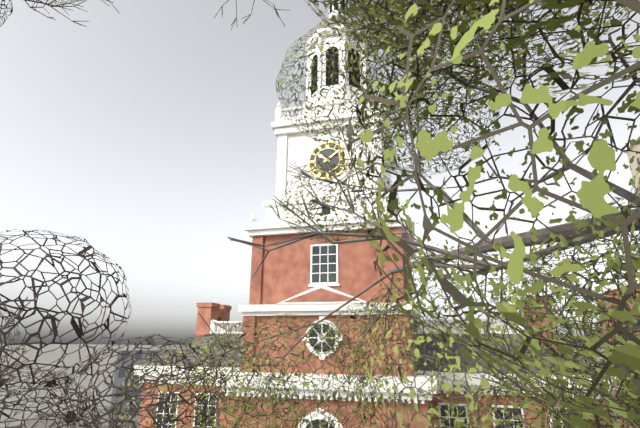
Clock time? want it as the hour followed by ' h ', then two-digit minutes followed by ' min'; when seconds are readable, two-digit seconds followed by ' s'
10 h 09 min
